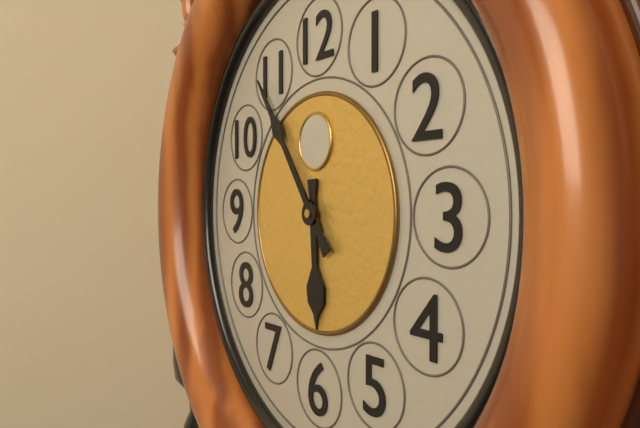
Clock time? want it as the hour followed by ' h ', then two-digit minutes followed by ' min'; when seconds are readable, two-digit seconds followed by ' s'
5 h 54 min
